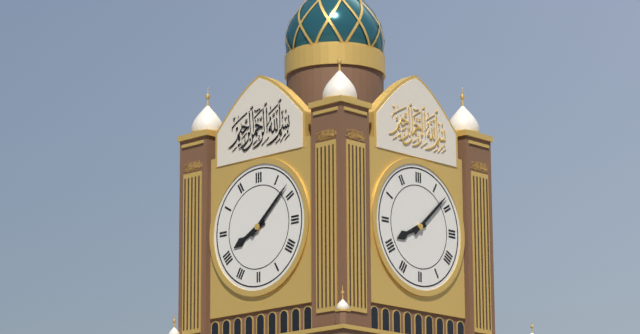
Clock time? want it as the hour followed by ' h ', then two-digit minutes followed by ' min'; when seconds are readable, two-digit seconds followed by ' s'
8 h 08 min
